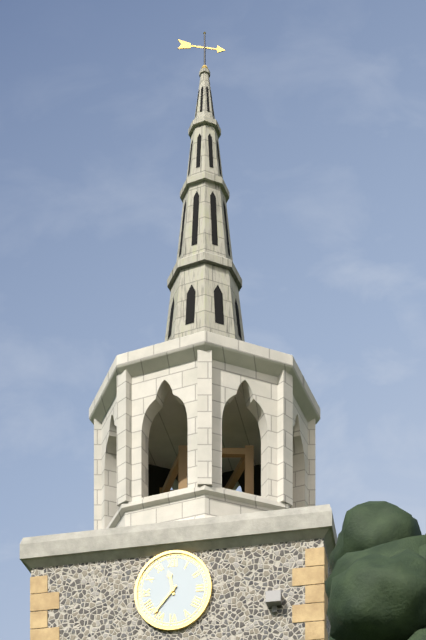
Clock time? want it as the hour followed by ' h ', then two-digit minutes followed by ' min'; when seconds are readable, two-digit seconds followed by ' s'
11 h 37 min
